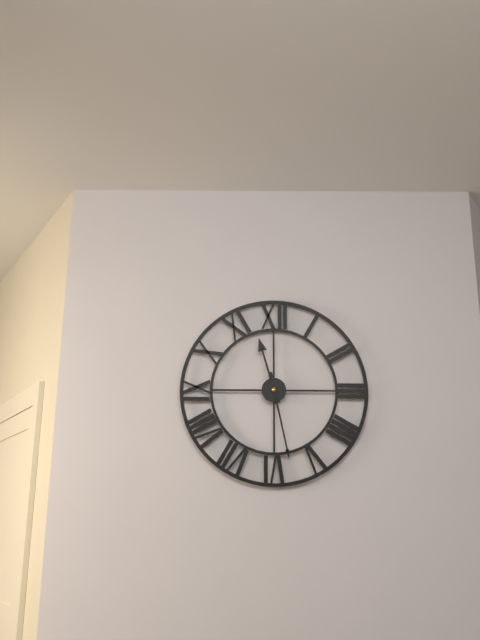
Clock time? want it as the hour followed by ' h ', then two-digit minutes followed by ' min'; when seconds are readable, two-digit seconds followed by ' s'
11 h 28 min
